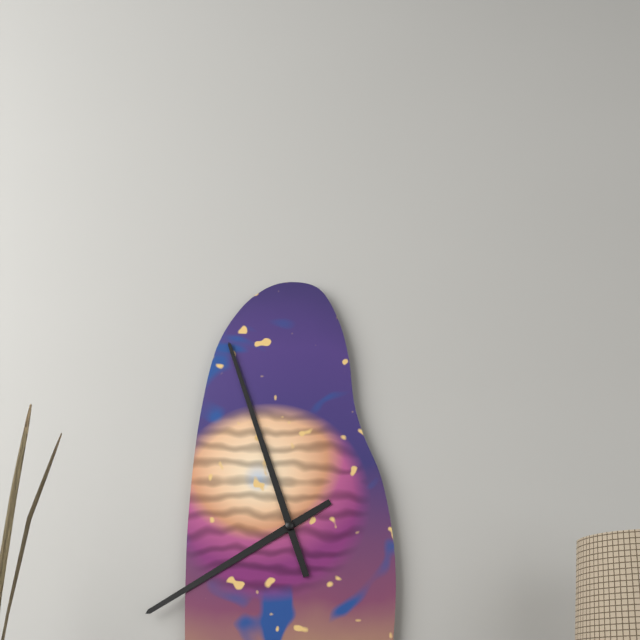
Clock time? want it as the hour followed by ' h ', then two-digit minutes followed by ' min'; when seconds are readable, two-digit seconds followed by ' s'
7 h 57 min
